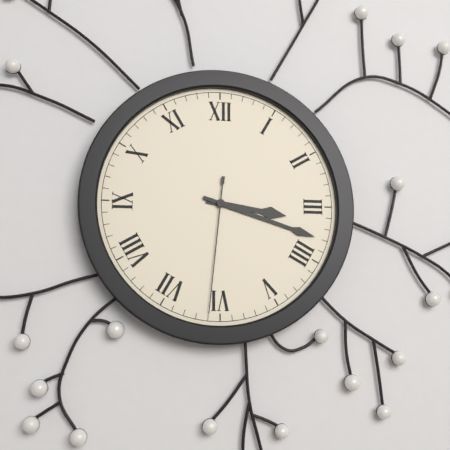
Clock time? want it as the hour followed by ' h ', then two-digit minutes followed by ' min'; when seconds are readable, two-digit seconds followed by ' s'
3 h 18 min 31 s
